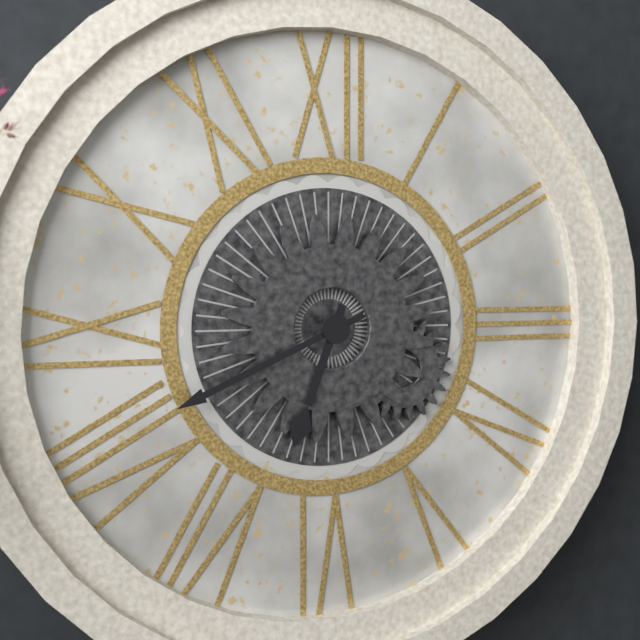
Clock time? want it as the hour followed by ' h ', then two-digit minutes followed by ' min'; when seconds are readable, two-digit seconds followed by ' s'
6 h 41 min
